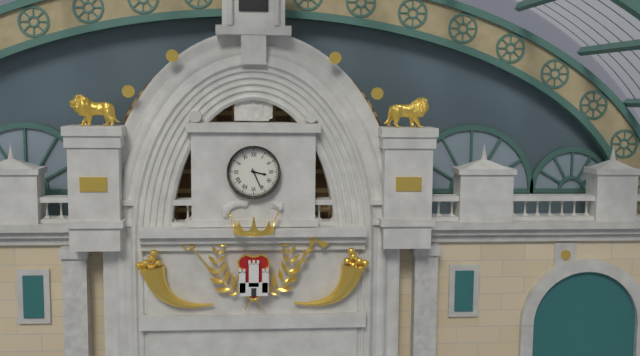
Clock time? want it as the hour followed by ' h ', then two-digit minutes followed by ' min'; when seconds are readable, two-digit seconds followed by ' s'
3 h 26 min
